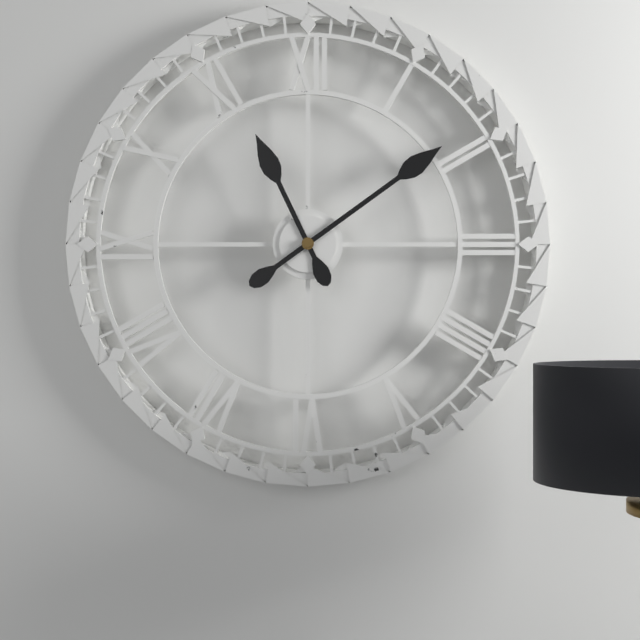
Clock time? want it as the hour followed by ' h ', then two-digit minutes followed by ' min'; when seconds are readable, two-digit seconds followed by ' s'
11 h 09 min
